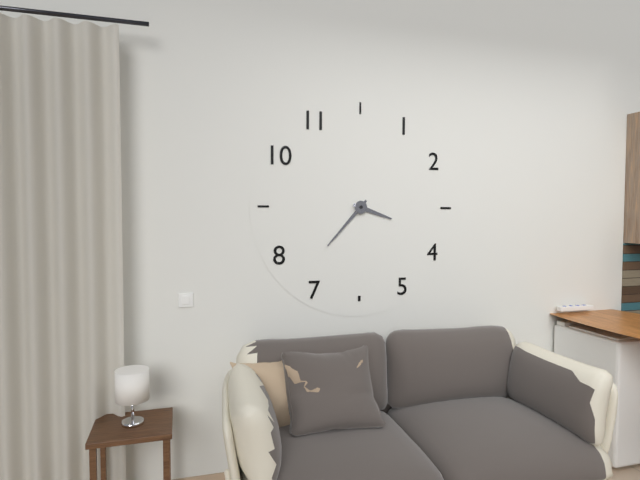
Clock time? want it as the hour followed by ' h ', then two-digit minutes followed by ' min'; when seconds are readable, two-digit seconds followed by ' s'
3 h 37 min
